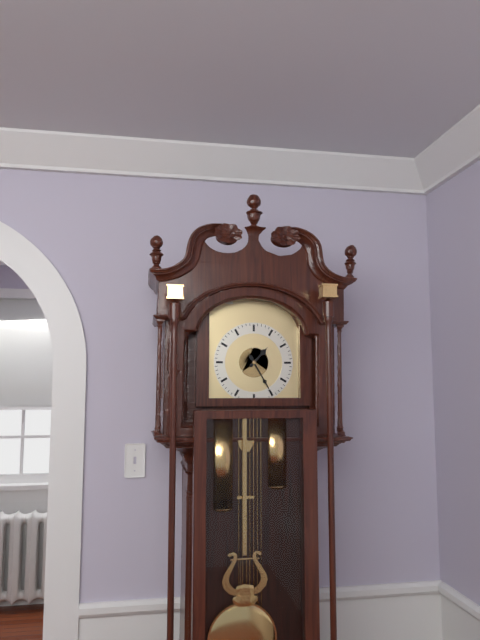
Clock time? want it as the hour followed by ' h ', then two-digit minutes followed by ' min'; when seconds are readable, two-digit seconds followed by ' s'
1 h 25 min
